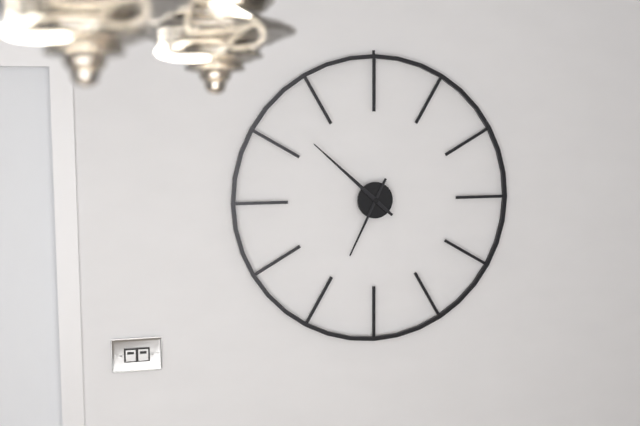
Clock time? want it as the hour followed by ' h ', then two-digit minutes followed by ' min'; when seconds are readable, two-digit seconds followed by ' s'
6 h 52 min
